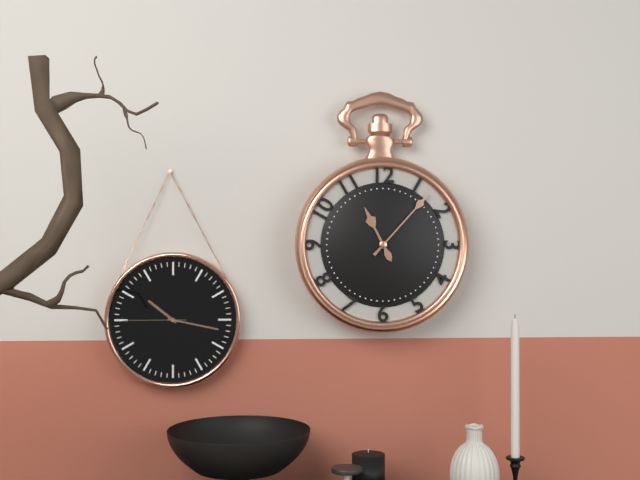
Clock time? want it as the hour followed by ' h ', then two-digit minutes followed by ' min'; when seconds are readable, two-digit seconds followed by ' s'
11 h 07 min
